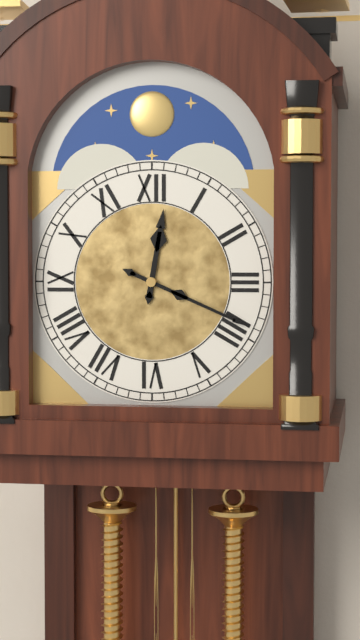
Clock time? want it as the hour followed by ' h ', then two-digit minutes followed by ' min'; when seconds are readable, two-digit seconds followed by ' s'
12 h 19 min
